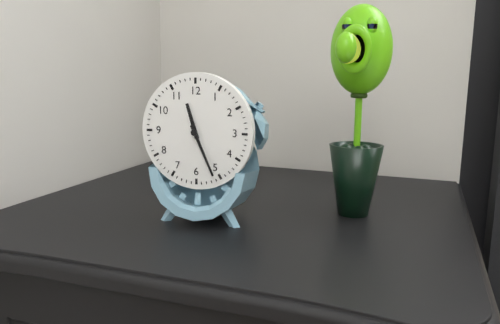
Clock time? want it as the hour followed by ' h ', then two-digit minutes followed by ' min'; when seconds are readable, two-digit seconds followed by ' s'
11 h 26 min
